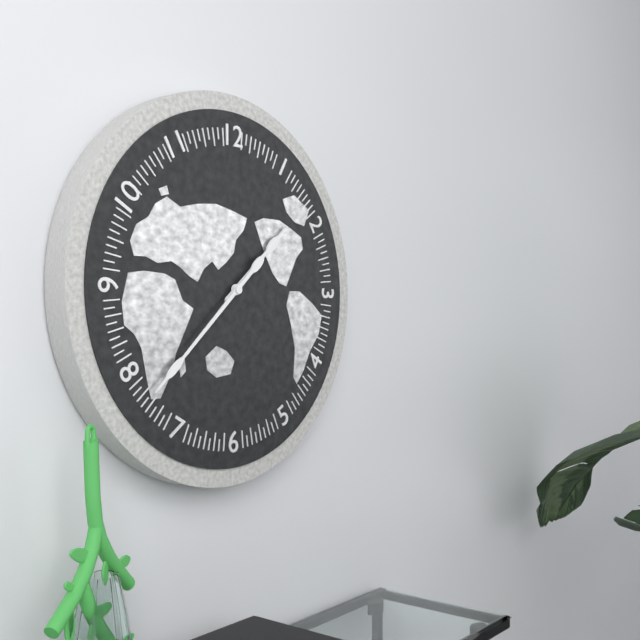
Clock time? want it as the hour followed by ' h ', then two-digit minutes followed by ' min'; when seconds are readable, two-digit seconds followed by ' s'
1 h 38 min
